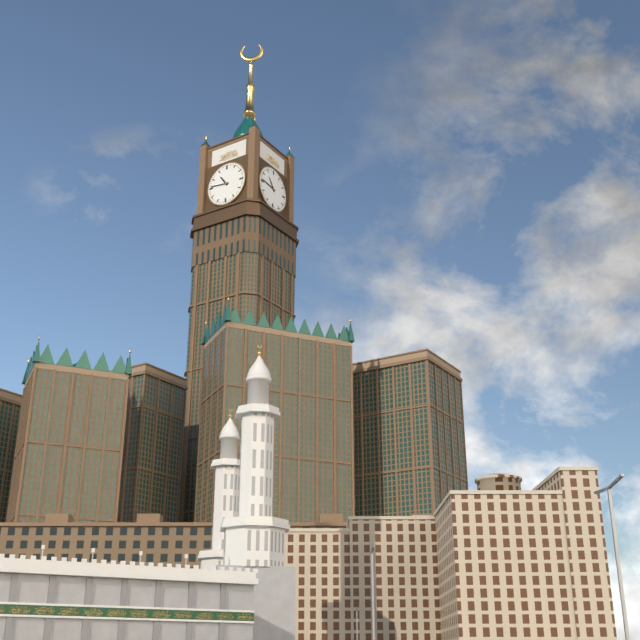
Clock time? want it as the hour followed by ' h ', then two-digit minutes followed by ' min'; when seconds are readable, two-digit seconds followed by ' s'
10 h 46 min
